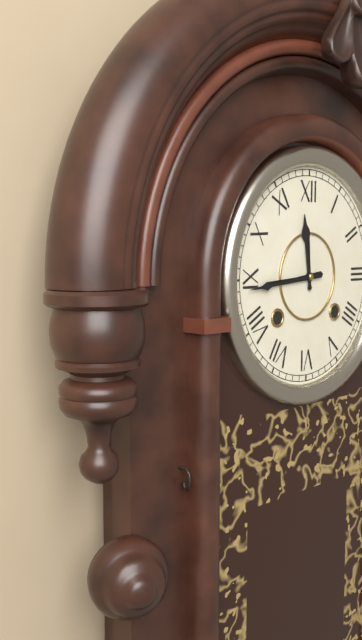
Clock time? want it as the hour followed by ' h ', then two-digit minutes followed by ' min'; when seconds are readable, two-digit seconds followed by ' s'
11 h 44 min
